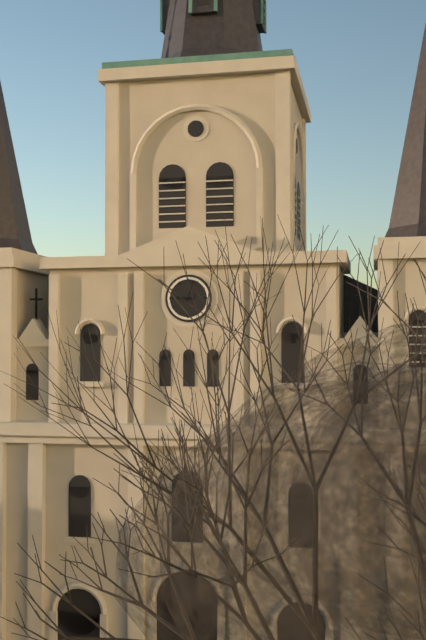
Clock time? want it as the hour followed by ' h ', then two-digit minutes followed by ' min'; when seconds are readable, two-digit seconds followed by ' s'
9 h 03 min
